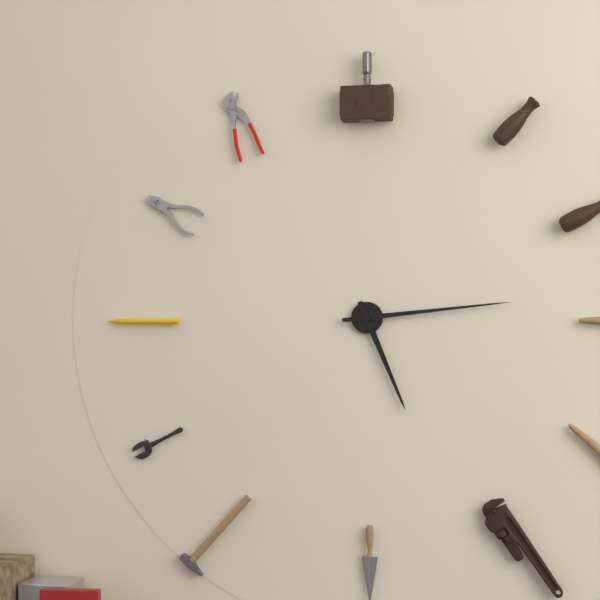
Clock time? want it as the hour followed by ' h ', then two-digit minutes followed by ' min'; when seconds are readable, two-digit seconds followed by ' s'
5 h 14 min
